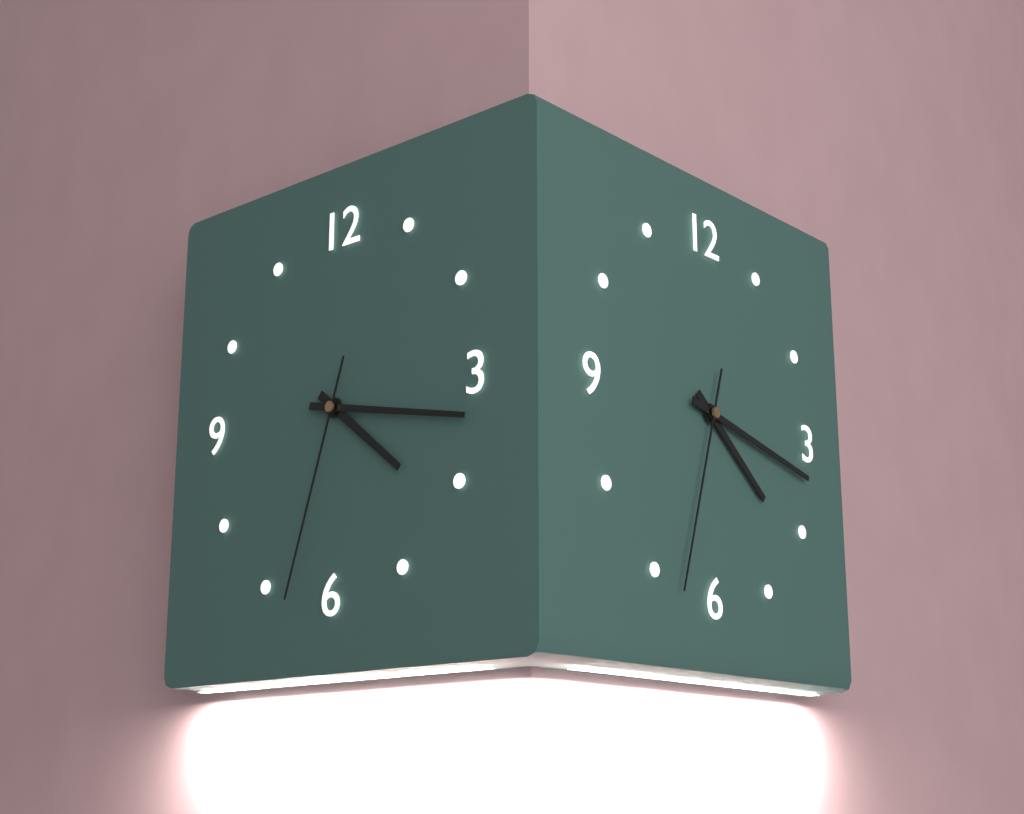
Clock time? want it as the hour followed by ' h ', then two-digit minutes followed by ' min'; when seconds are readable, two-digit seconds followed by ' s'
4 h 17 min 33 s
